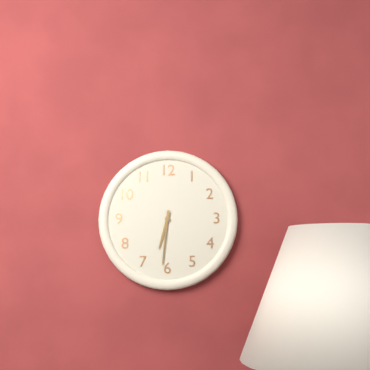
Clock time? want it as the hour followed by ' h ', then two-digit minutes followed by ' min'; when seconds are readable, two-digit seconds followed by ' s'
6 h 31 min
